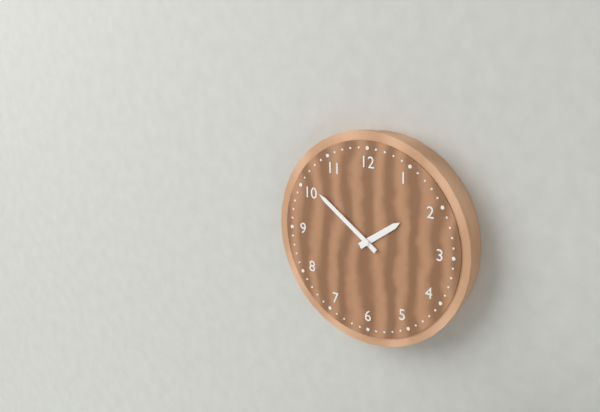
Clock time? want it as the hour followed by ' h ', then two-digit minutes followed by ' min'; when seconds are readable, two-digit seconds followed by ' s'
1 h 51 min
